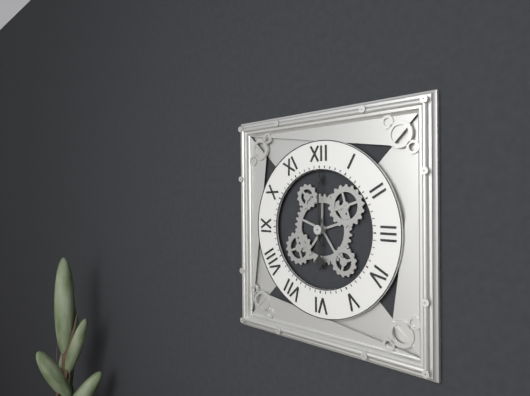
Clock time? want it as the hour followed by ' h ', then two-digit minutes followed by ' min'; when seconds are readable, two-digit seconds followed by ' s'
6 h 00 min
